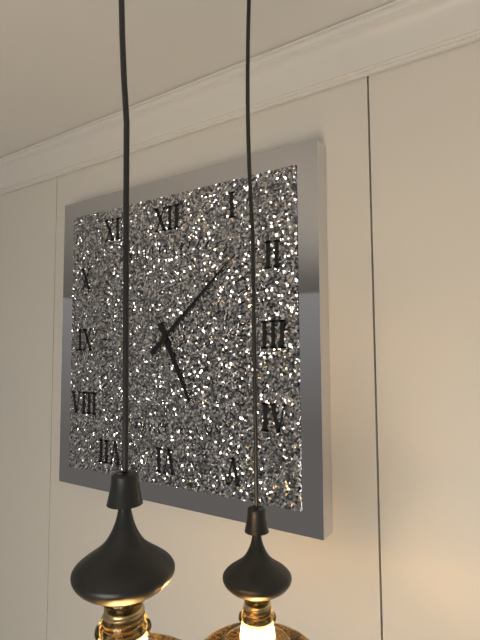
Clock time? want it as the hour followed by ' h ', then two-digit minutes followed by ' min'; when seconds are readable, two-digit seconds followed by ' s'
5 h 08 min
